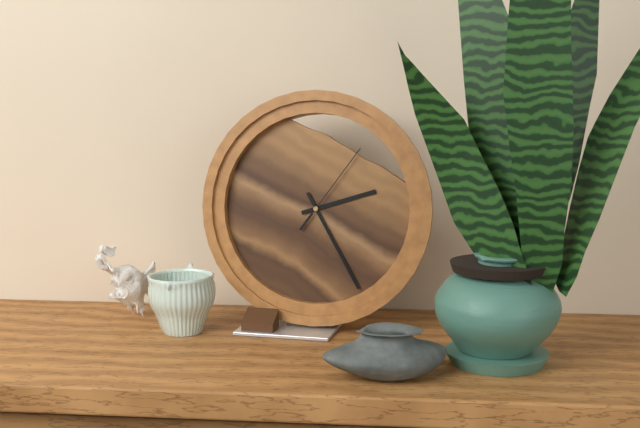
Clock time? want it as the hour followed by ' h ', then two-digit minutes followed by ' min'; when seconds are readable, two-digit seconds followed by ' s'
2 h 25 min 06 s
